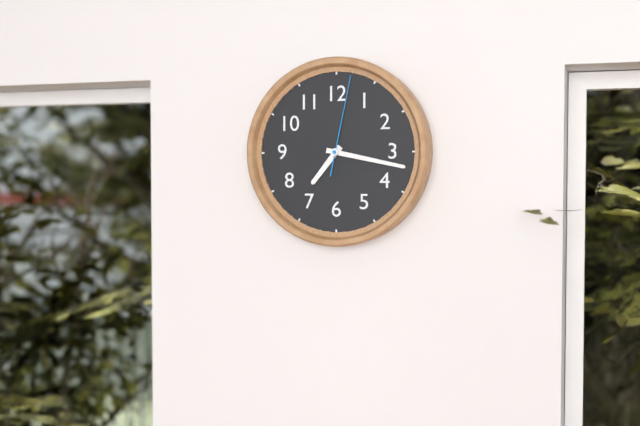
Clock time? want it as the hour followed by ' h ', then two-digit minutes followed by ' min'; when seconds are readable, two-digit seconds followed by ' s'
7 h 17 min 02 s
